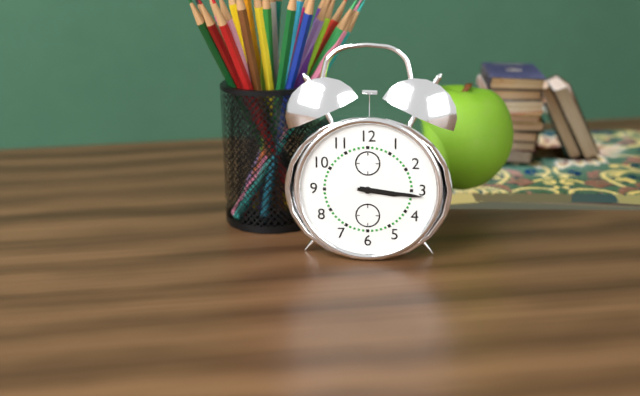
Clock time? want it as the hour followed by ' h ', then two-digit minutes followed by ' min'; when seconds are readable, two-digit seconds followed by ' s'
3 h 16 min
